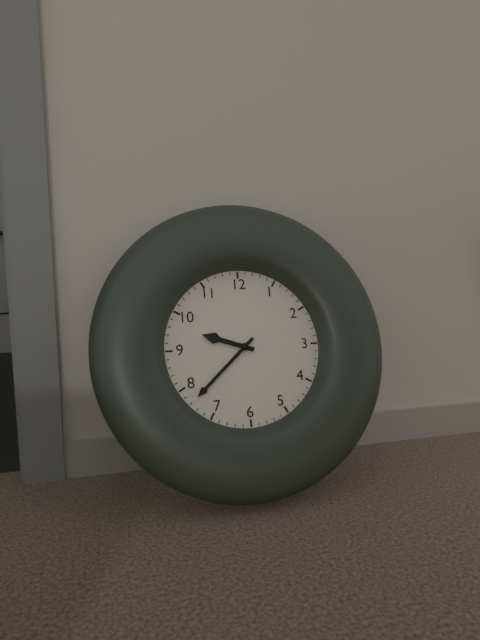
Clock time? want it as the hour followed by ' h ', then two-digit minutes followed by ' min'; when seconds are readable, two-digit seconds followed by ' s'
9 h 38 min
